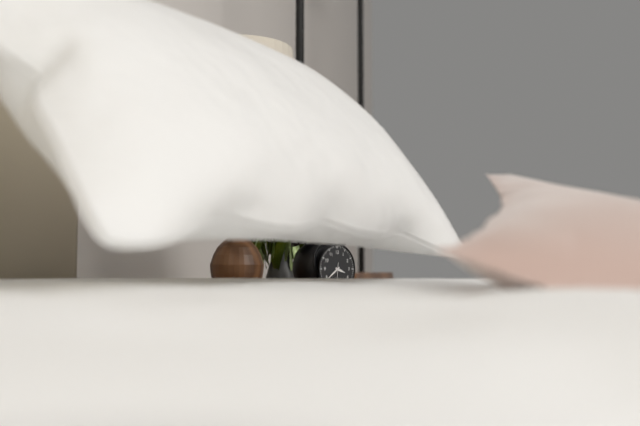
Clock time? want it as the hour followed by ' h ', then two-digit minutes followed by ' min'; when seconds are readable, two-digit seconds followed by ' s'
3 h 39 min
